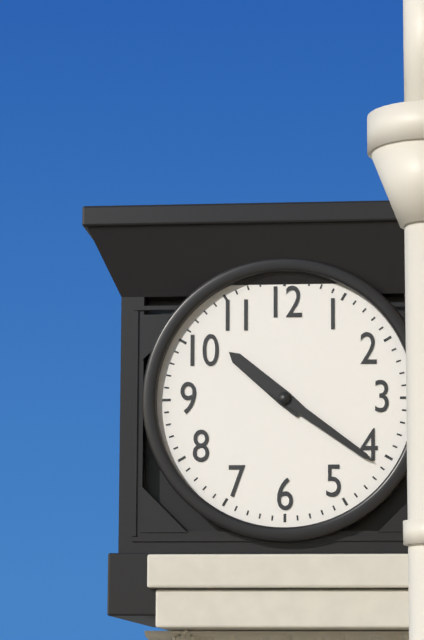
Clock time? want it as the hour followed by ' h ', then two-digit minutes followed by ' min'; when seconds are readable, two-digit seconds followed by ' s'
10 h 21 min
